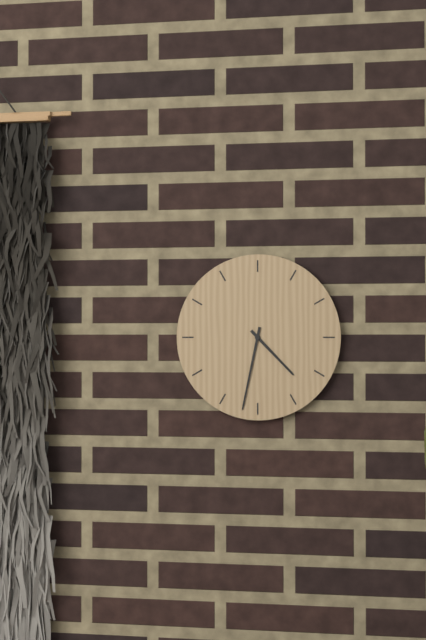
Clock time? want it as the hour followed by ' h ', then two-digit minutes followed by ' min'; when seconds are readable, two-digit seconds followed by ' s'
4 h 32 min
